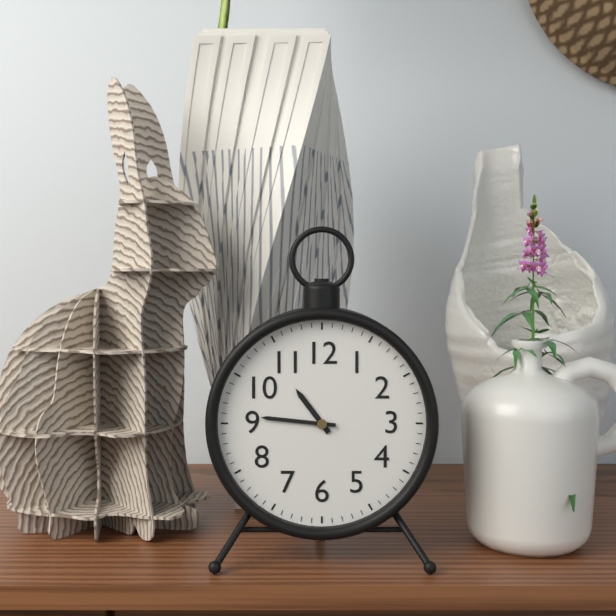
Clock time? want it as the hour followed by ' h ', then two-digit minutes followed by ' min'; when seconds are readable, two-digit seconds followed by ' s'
10 h 46 min
